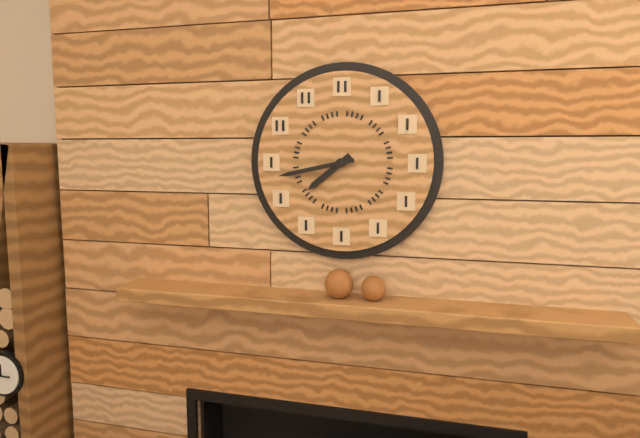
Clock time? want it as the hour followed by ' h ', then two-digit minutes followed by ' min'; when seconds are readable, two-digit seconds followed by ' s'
7 h 43 min
